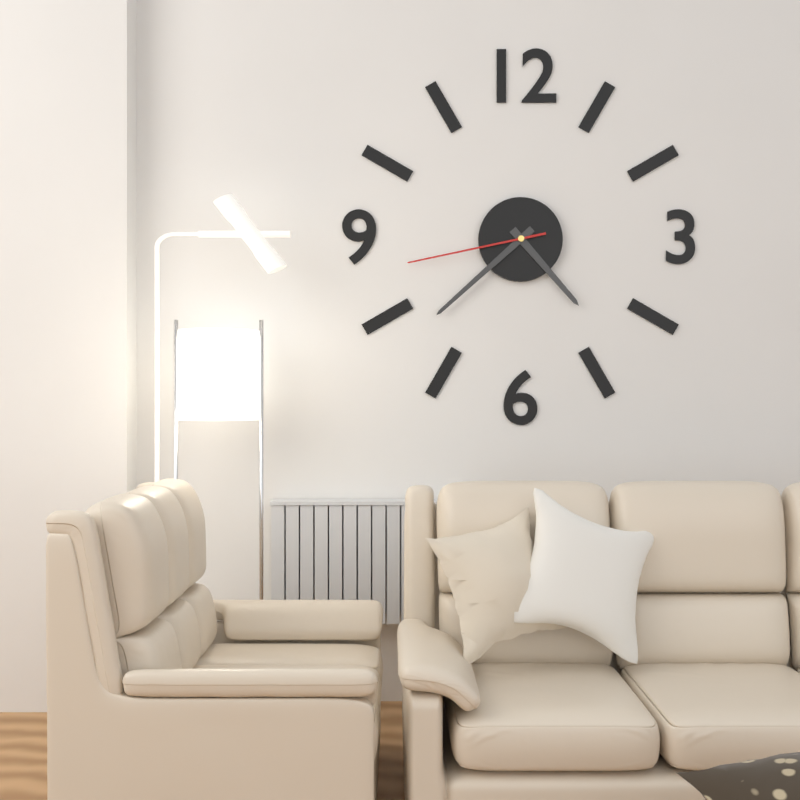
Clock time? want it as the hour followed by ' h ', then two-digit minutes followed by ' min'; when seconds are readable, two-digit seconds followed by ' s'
4 h 38 min 43 s
